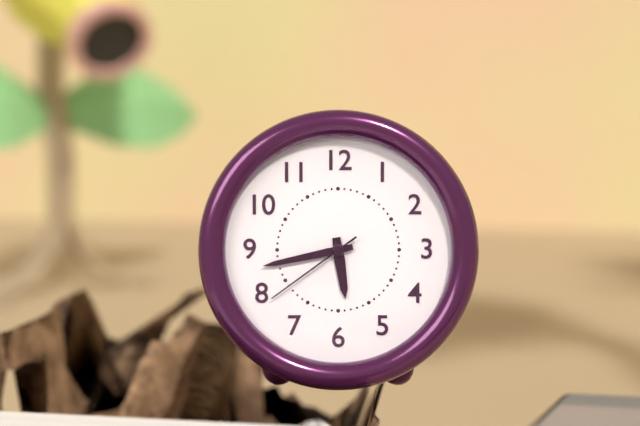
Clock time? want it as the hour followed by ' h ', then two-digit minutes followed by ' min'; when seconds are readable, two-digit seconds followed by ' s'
5 h 43 min 39 s
